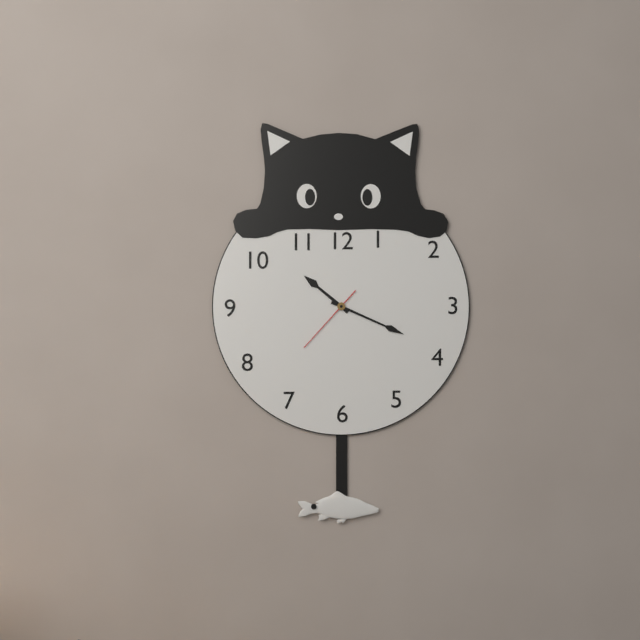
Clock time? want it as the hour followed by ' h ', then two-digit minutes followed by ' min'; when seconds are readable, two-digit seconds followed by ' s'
10 h 19 min 37 s
